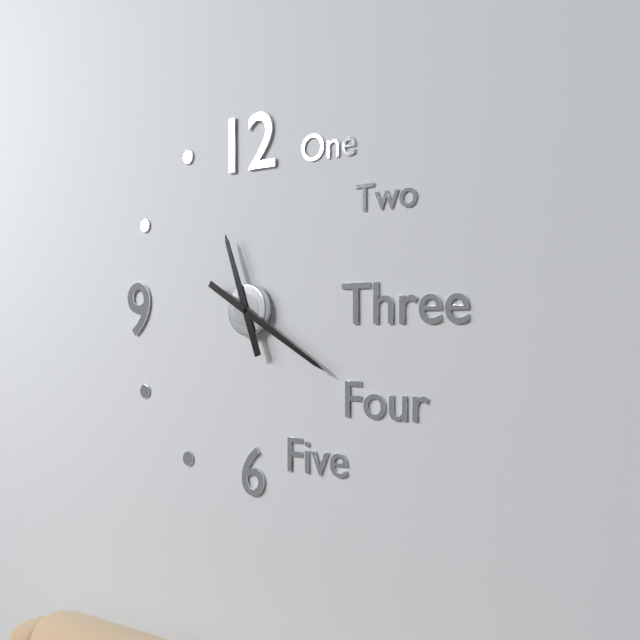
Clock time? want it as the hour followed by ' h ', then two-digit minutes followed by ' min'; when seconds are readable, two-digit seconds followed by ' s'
11 h 20 min
